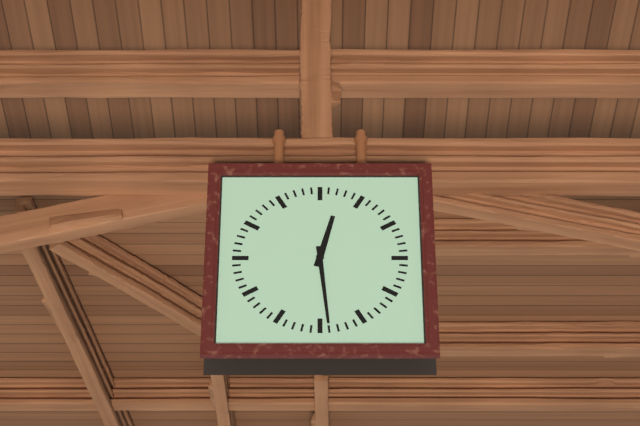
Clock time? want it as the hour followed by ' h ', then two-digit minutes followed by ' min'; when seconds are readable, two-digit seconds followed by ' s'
12 h 29 min
